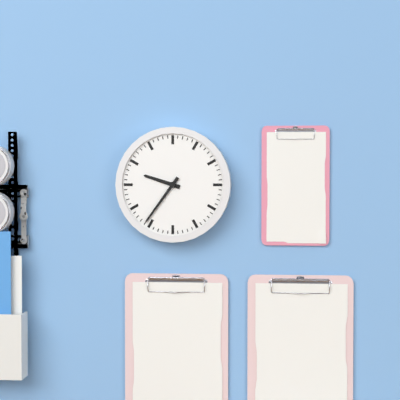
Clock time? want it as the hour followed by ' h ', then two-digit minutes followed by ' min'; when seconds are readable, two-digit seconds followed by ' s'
9 h 36 min
